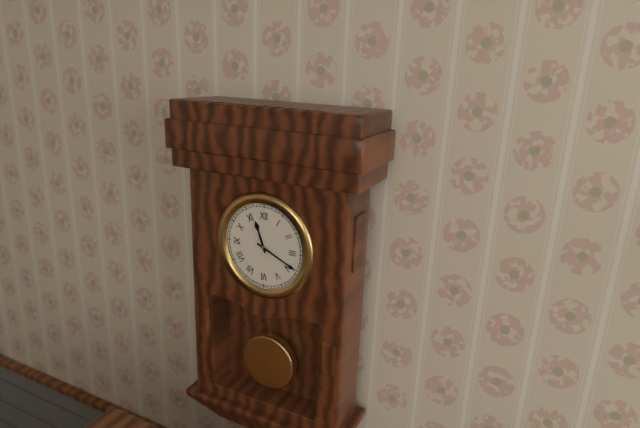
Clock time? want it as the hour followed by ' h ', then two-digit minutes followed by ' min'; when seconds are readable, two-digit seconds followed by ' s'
11 h 19 min
